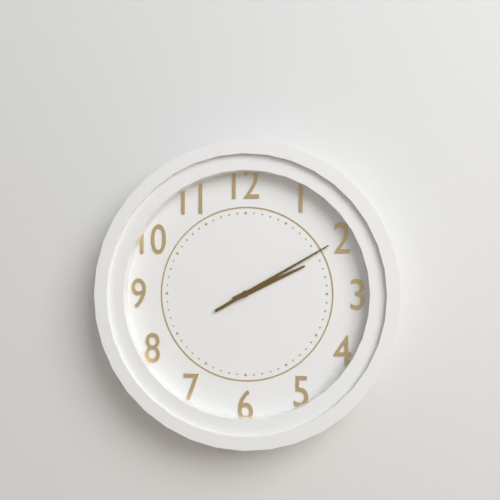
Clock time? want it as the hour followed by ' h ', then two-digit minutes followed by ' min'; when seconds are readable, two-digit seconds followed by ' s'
2 h 10 min
